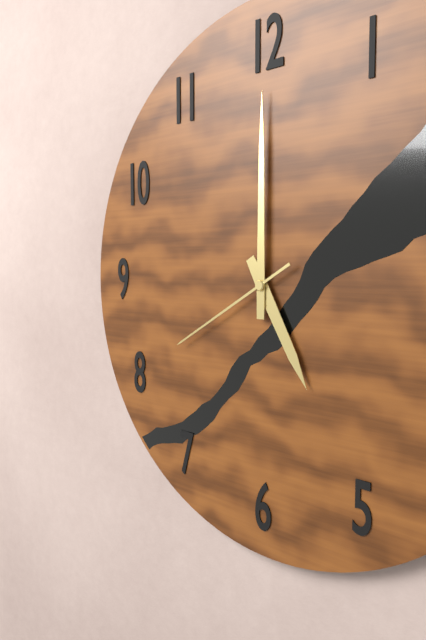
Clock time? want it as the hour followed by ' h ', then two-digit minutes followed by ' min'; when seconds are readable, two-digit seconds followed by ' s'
5 h 00 min 40 s
